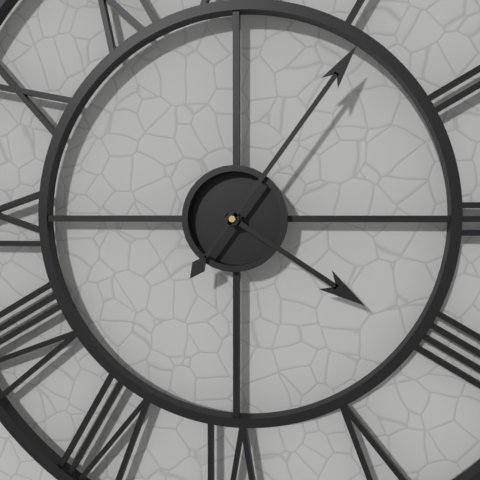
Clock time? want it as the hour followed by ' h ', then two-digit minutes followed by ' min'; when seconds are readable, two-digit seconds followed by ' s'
4 h 06 min
